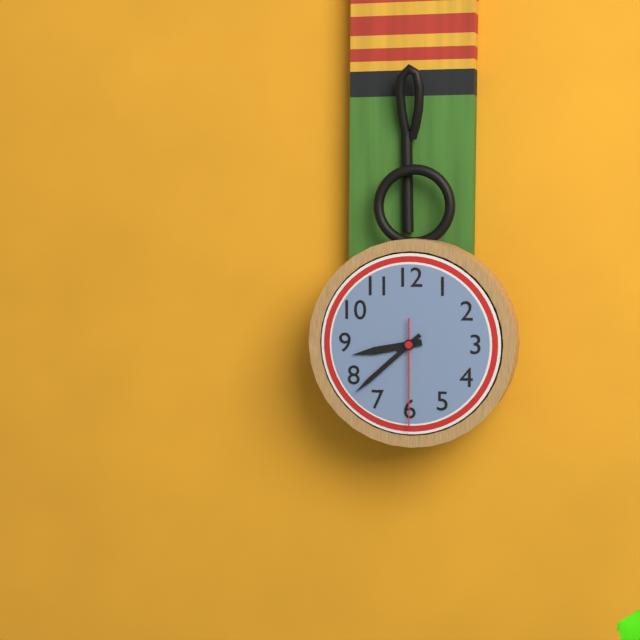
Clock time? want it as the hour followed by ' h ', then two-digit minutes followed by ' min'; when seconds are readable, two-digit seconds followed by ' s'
8 h 38 min 30 s
